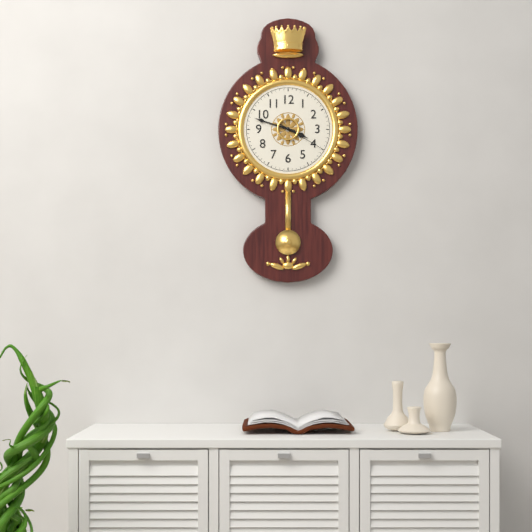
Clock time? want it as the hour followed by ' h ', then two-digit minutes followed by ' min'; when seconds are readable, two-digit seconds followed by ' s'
3 h 48 min
